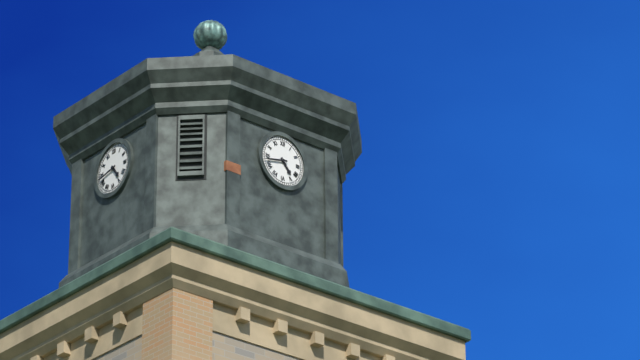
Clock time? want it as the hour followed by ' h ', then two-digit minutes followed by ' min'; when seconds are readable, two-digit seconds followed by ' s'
4 h 43 min
